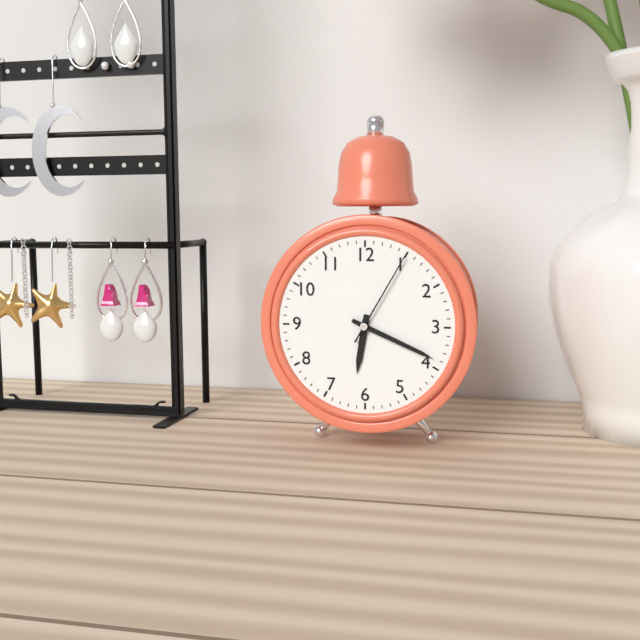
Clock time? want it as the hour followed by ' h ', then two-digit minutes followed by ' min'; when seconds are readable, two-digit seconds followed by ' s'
6 h 19 min 05 s
